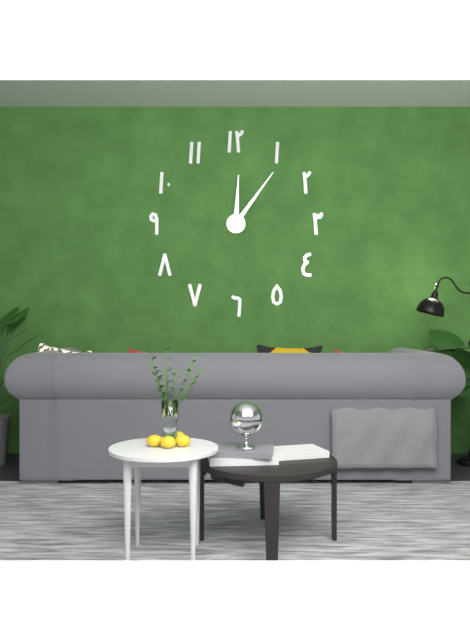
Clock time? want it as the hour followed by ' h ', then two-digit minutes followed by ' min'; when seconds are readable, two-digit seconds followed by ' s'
12 h 06 min
